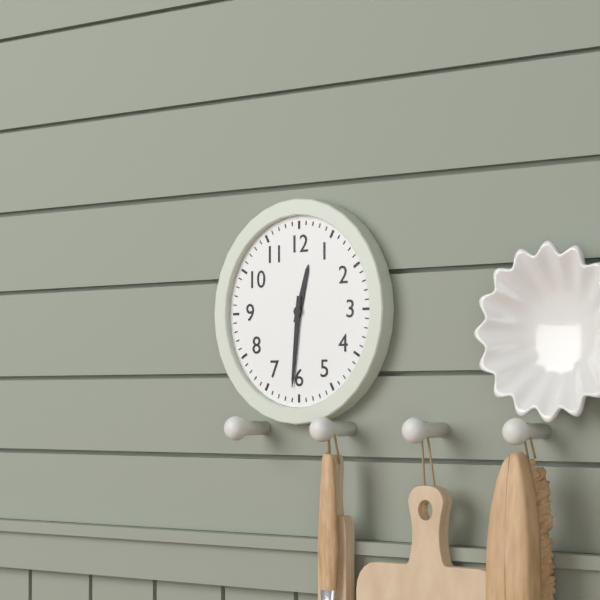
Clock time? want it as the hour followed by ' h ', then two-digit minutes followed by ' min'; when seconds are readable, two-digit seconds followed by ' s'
12 h 31 min
